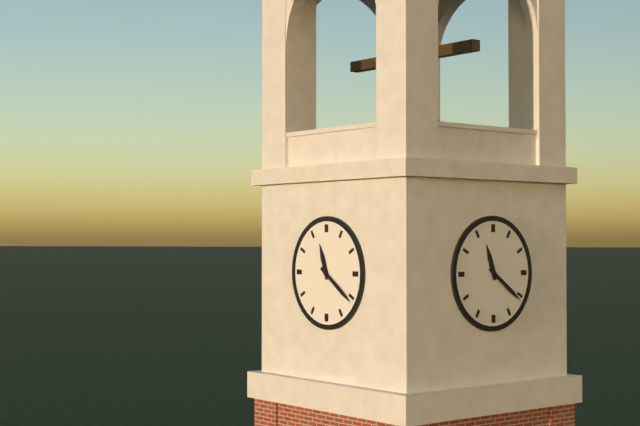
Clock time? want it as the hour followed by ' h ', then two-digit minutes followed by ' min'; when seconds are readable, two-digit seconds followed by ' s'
11 h 21 min
